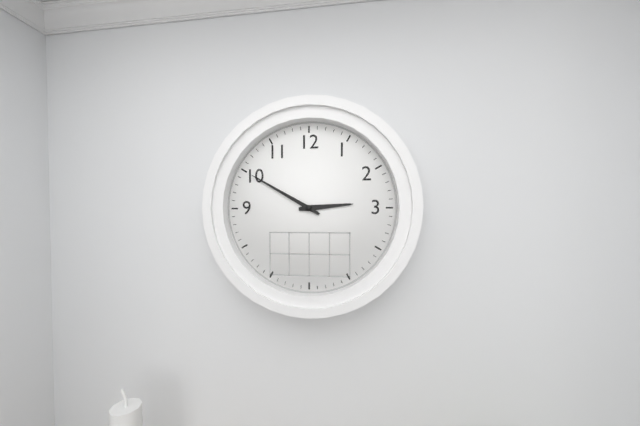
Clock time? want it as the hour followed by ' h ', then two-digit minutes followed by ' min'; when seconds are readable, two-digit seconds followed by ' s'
2 h 50 min
